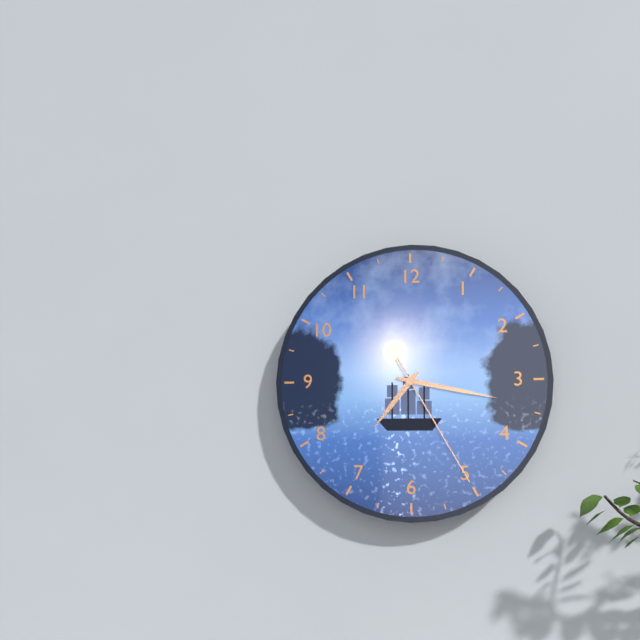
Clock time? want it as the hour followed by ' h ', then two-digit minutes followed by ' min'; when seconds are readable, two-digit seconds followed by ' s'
7 h 17 min 25 s
